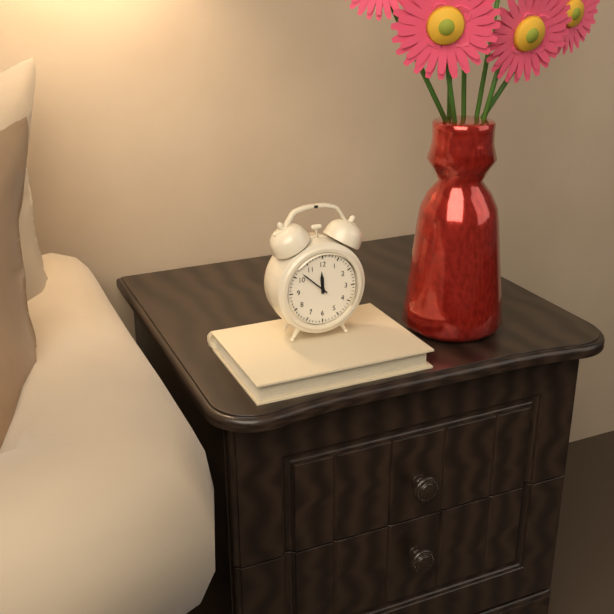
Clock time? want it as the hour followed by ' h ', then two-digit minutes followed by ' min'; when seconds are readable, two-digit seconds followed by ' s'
11 h 52 min
